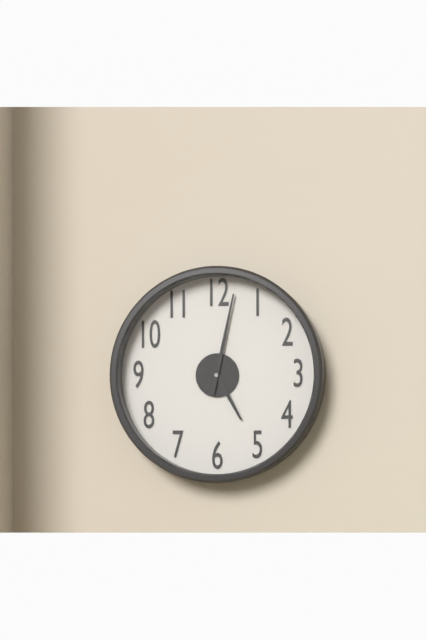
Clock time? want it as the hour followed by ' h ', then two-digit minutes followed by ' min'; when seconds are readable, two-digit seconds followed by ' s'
5 h 02 min
